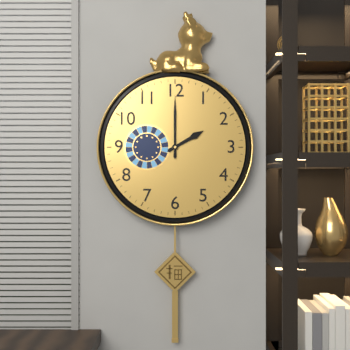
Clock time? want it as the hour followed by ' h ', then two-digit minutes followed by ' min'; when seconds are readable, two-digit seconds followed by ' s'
2 h 00 min
